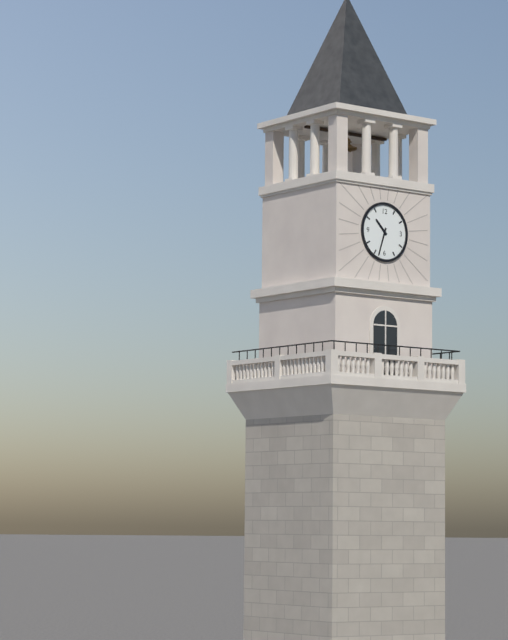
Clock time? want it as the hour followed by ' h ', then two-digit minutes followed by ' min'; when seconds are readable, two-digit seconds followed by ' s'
10 h 33 min
